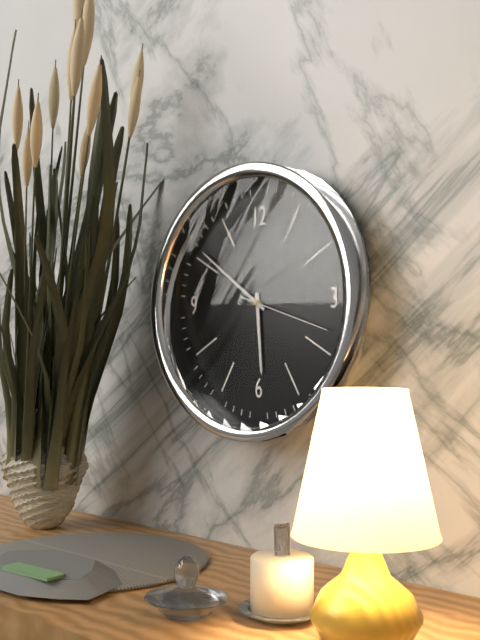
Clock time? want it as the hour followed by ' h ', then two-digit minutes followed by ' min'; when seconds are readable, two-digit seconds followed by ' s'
5 h 51 min 18 s
